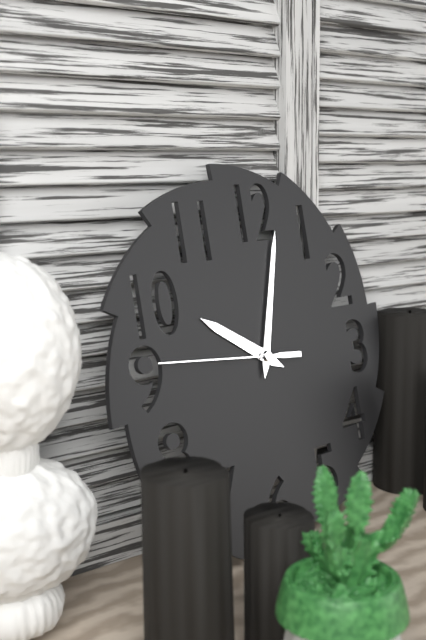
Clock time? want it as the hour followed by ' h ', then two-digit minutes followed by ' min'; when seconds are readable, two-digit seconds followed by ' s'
10 h 03 min 46 s
